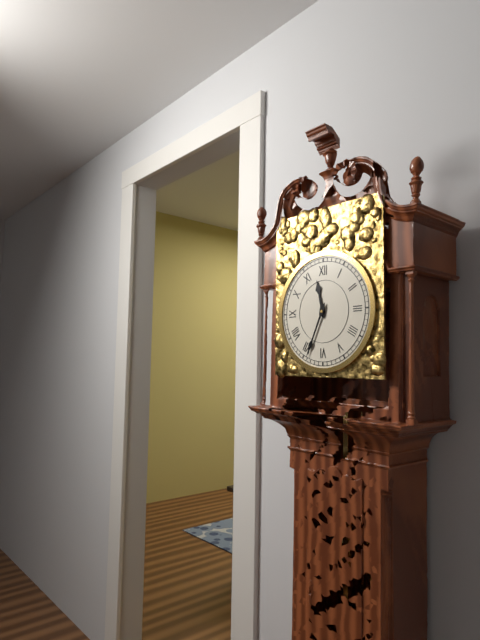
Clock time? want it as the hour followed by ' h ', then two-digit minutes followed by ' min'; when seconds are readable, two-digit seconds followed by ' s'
11 h 34 min
